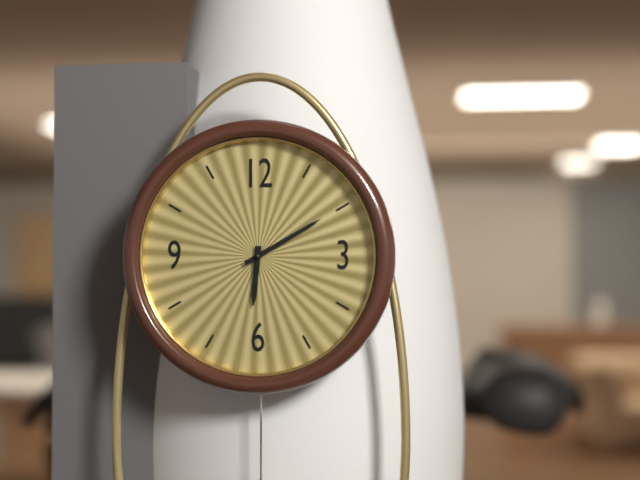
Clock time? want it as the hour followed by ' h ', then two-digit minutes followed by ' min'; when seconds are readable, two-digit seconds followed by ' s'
6 h 10 min
